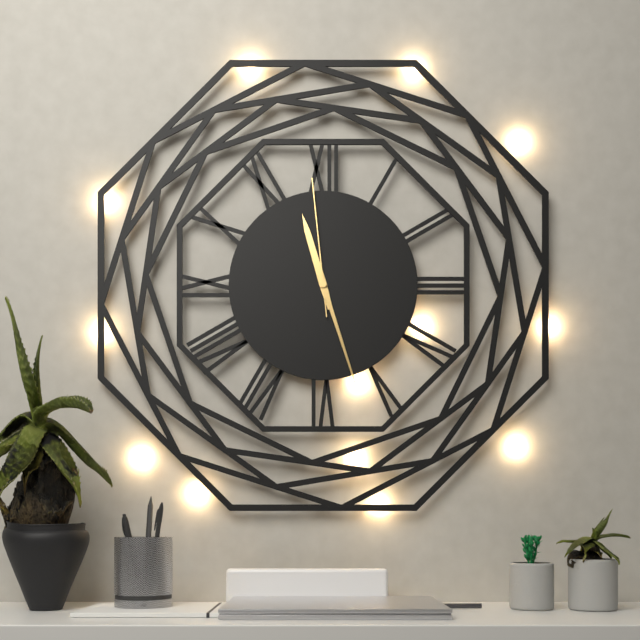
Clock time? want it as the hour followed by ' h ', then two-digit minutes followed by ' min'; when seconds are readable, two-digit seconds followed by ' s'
11 h 27 min 59 s
